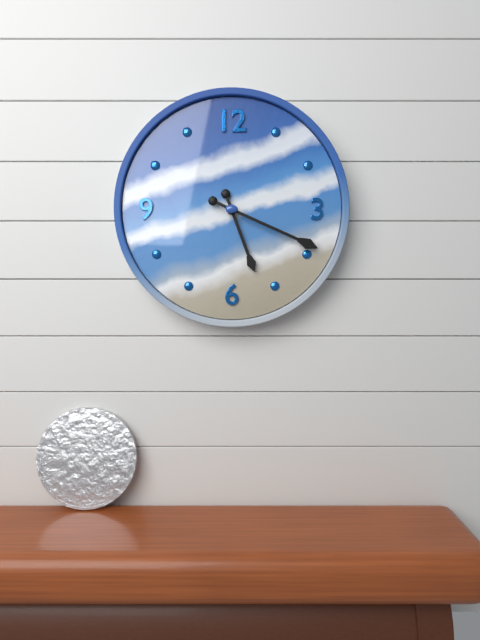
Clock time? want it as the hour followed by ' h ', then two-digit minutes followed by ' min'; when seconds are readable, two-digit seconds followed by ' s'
5 h 19 min
